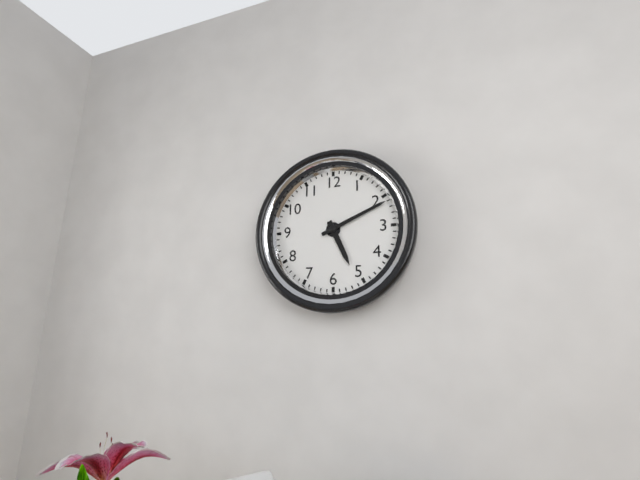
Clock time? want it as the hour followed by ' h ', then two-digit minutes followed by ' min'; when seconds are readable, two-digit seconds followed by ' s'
5 h 11 min
